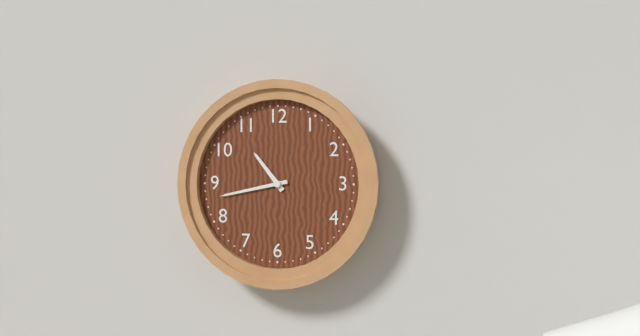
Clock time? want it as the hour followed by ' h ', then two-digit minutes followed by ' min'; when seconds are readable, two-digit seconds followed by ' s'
10 h 43 min
